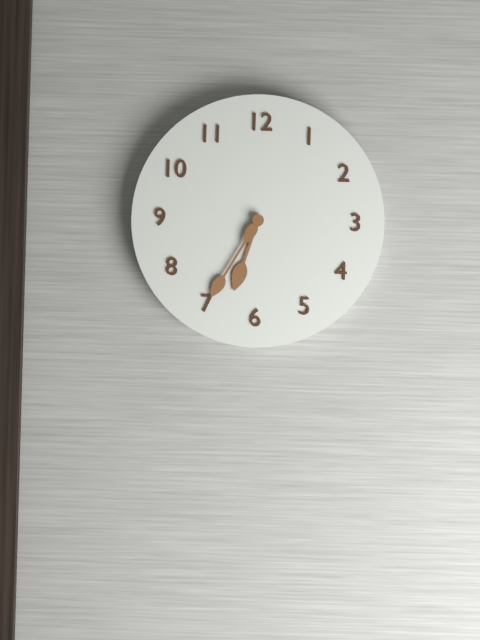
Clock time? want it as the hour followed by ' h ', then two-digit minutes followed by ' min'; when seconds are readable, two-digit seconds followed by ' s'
6 h 35 min
